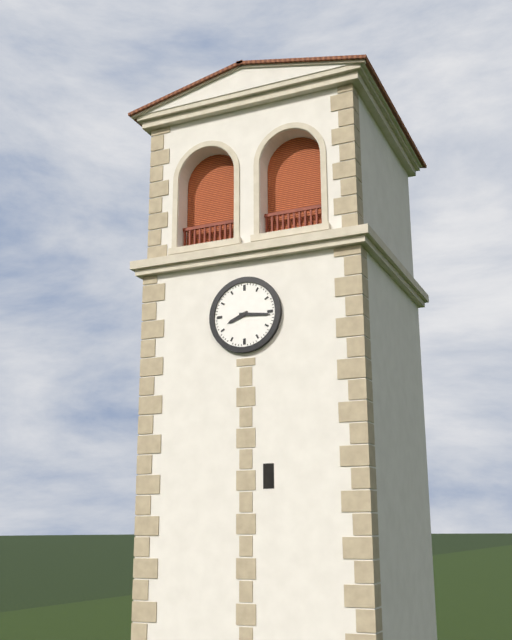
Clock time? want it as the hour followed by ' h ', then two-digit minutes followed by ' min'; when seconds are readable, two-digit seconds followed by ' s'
8 h 16 min
